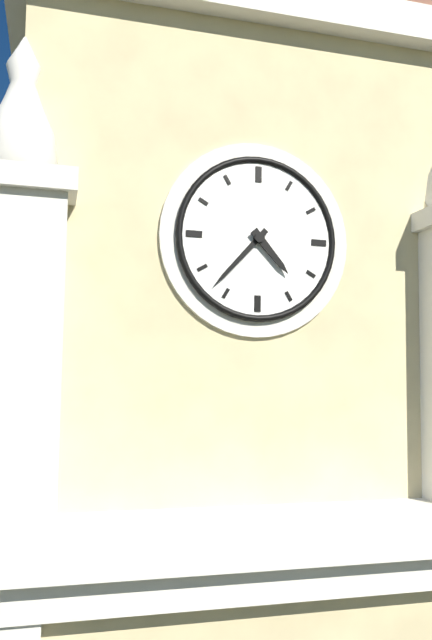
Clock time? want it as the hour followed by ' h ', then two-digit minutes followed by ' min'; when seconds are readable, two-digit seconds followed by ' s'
4 h 37 min
